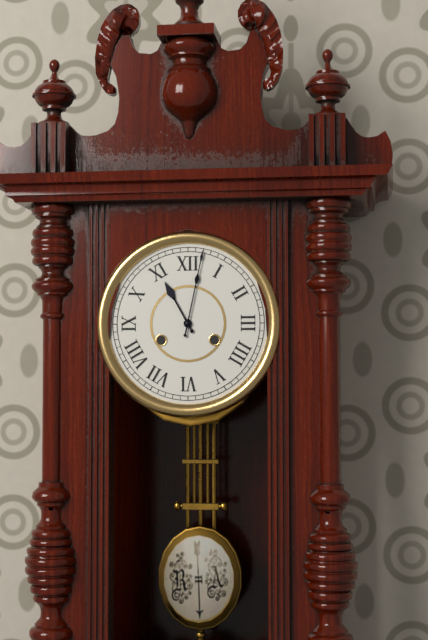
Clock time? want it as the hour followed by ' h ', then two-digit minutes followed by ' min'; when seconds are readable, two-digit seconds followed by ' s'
11 h 02 min
